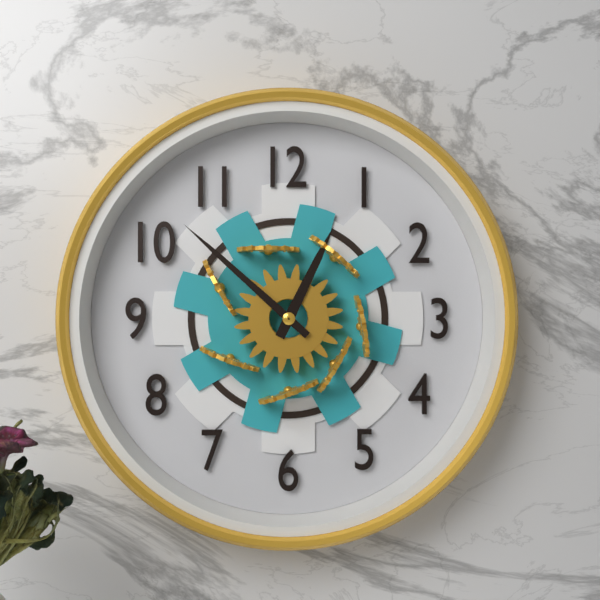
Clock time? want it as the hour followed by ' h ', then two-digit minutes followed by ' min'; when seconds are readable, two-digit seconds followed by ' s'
12 h 52 min
